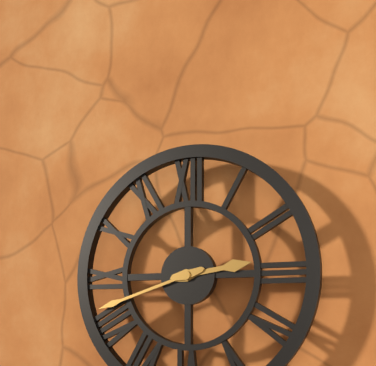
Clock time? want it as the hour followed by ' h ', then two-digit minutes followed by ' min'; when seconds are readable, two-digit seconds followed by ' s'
2 h 42 min
